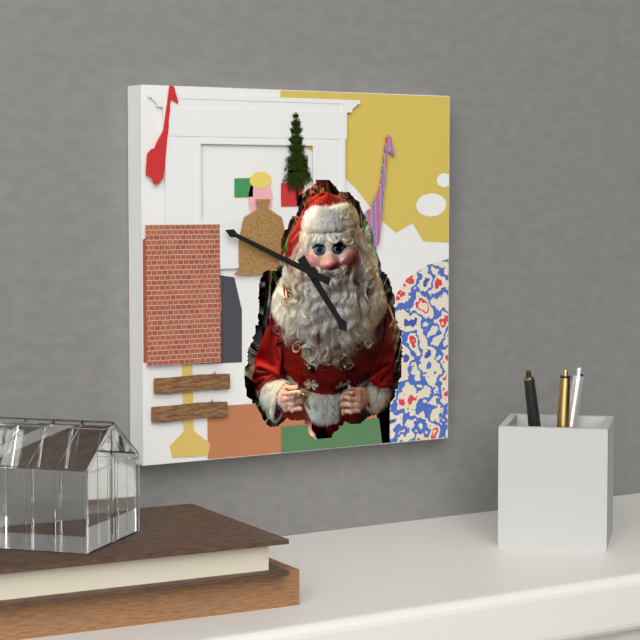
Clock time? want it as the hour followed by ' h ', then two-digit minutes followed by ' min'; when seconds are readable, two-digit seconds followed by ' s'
4 h 49 min
